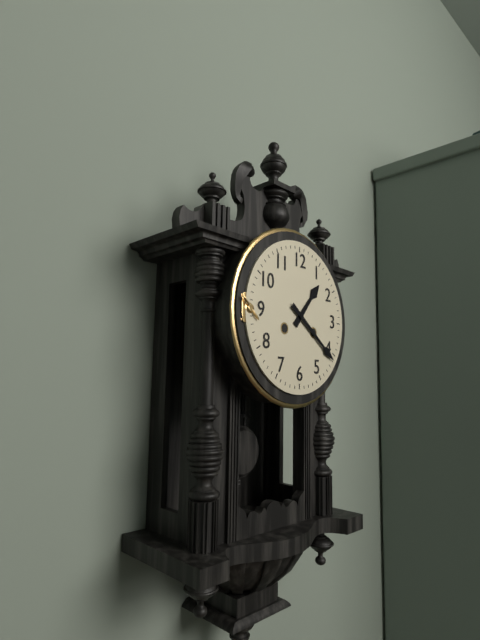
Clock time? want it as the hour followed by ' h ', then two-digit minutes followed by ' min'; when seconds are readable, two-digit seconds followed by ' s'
1 h 21 min
